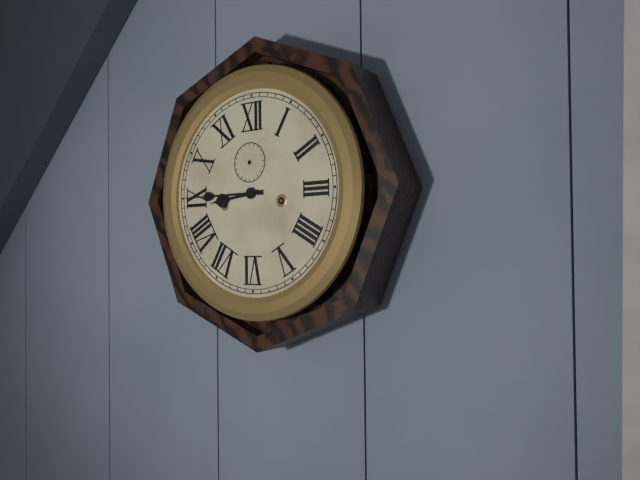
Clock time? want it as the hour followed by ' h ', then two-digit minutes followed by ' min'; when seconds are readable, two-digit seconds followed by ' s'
8 h 45 min
